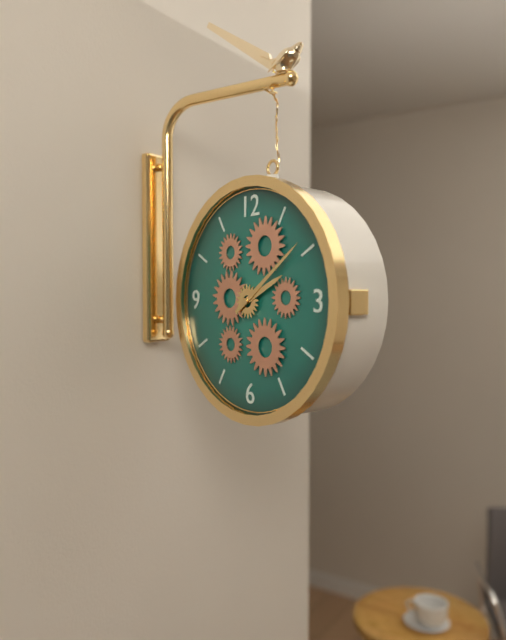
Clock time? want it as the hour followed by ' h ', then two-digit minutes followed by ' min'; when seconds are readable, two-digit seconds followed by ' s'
2 h 09 min
